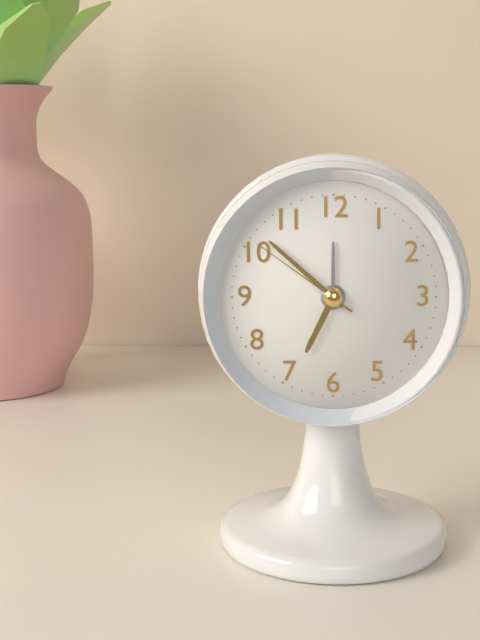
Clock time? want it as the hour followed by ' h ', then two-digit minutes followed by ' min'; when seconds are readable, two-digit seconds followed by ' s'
6 h 52 min 51 s
